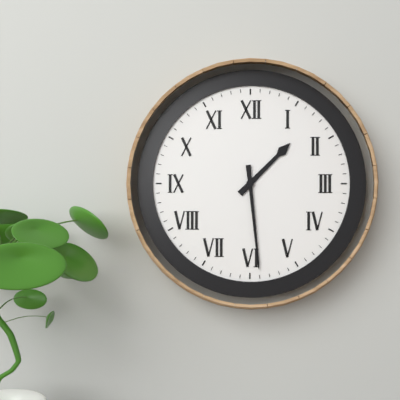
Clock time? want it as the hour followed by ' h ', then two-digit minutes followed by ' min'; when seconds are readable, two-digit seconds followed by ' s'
1 h 29 min
